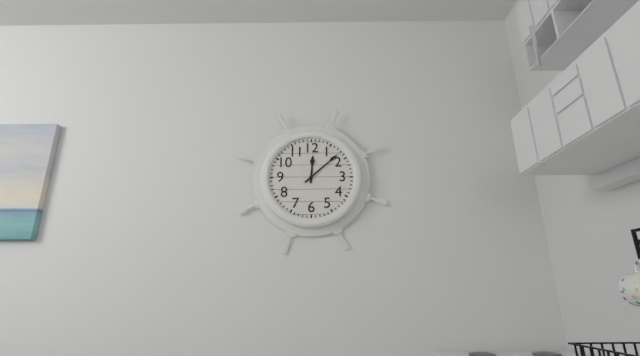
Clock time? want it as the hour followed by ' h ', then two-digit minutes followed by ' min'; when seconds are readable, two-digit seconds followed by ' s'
12 h 08 min
